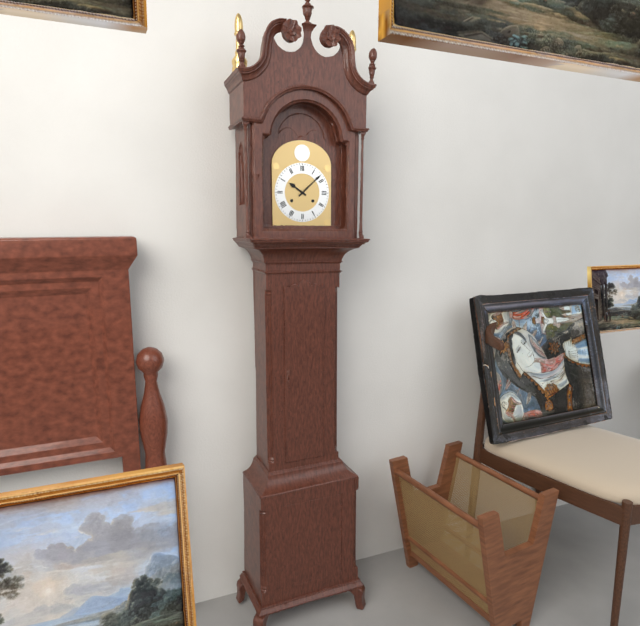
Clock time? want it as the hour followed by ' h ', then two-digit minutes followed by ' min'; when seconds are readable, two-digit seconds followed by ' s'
10 h 08 min
